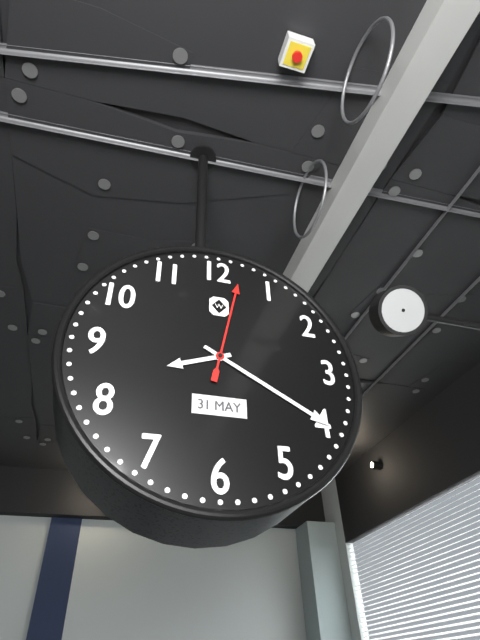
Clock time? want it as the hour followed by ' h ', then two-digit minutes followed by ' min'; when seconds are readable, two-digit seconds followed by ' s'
8 h 20 min 02 s
